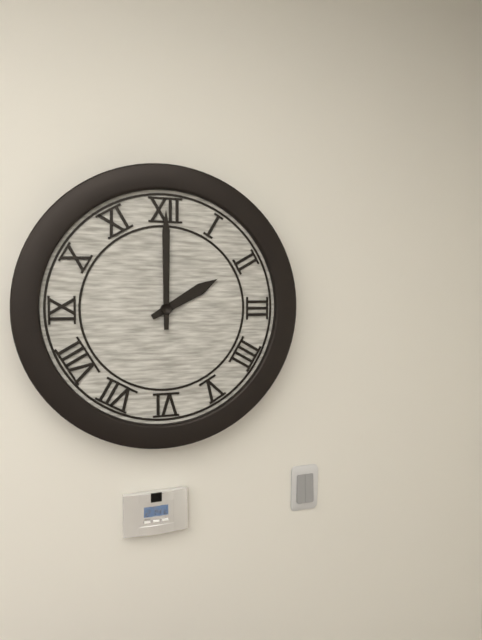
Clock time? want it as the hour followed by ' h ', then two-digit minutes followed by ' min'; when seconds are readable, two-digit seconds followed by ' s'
2 h 00 min
